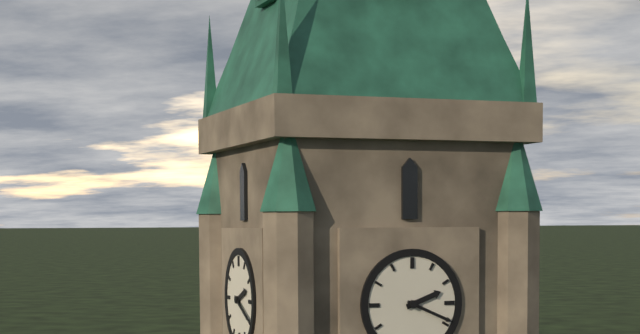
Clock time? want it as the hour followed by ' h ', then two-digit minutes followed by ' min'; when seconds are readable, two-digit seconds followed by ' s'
2 h 19 min
